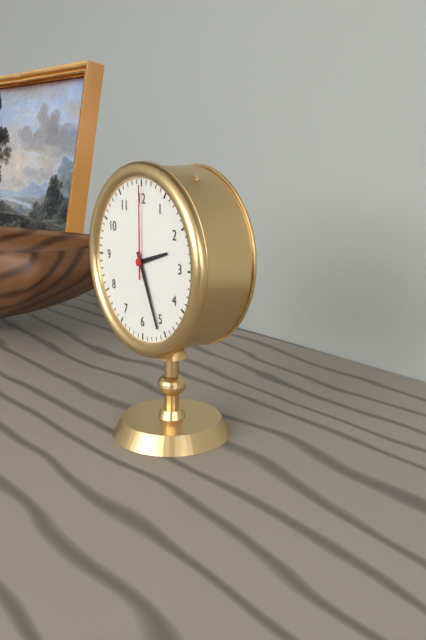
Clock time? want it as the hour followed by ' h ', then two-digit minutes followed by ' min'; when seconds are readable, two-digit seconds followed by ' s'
2 h 26 min 00 s
